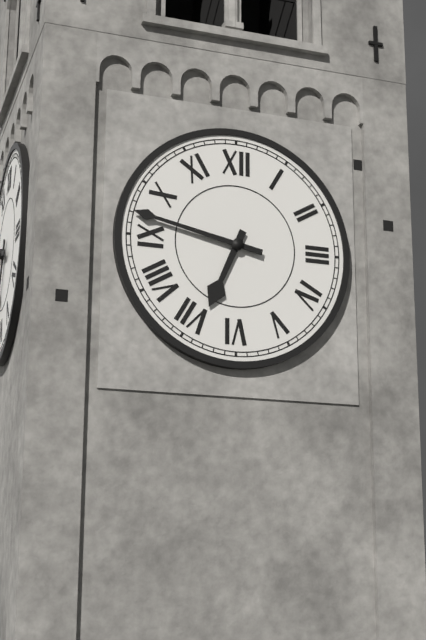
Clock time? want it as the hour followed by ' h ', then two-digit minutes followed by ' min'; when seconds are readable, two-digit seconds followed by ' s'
6 h 47 min
